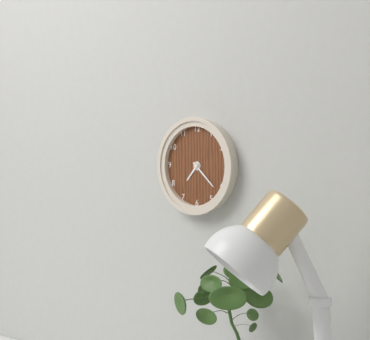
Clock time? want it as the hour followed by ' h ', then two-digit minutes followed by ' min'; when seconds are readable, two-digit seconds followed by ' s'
7 h 22 min
